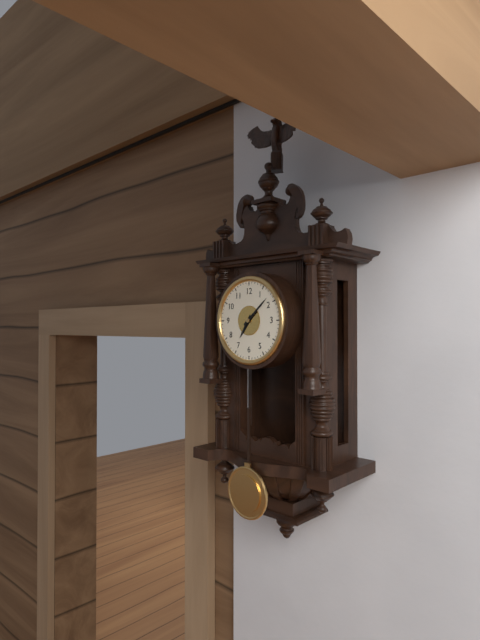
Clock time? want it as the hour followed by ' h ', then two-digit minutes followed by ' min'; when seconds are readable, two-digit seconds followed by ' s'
7 h 08 min
